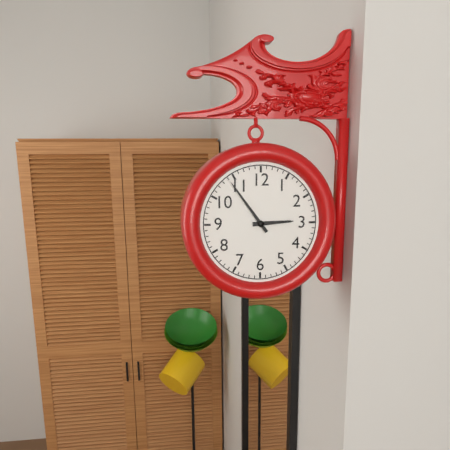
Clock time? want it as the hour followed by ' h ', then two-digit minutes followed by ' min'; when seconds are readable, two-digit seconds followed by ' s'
2 h 54 min
